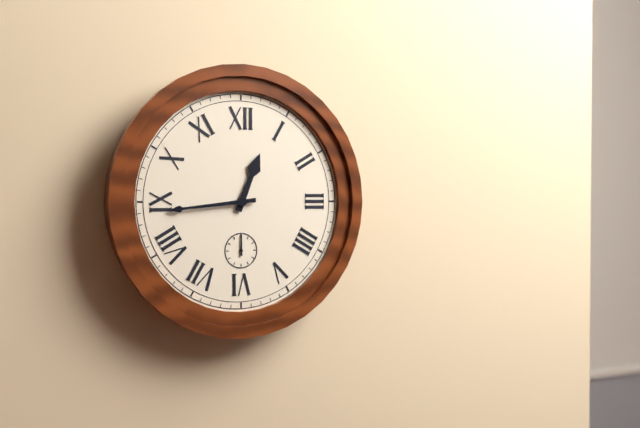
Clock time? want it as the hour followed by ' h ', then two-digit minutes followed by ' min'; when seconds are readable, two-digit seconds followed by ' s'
12 h 44 min
